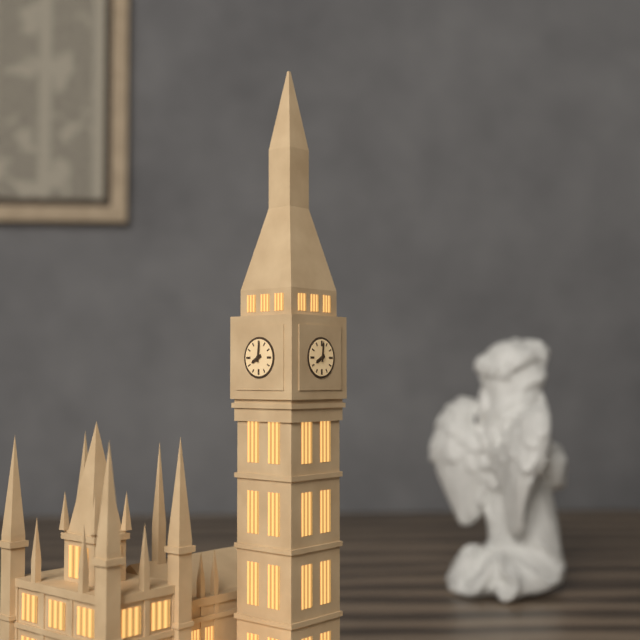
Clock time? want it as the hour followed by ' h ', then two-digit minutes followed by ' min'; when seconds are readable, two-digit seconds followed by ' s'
8 h 01 min
